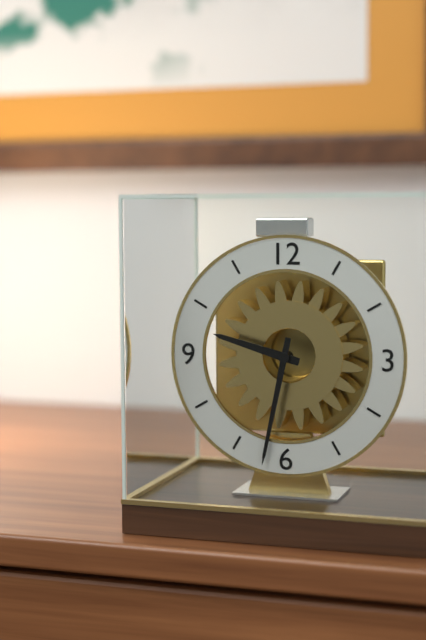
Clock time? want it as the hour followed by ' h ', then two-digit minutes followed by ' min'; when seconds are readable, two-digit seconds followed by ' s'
9 h 32 min
